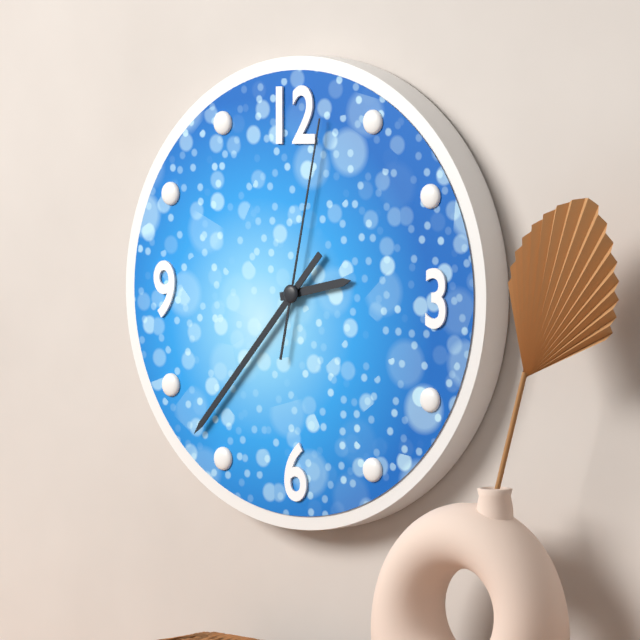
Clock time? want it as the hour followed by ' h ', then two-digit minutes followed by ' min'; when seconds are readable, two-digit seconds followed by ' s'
2 h 37 min 02 s
